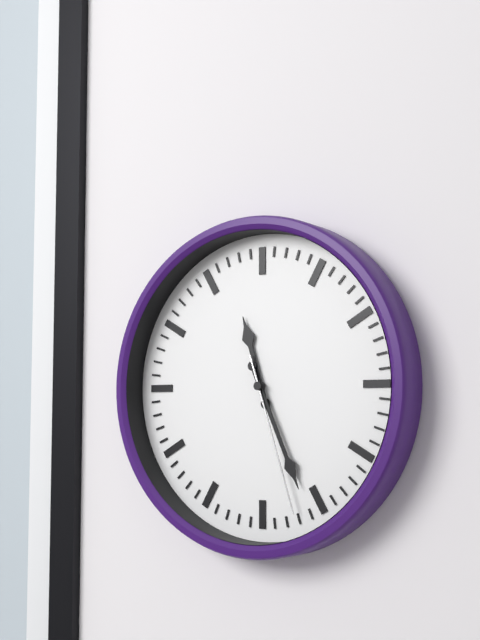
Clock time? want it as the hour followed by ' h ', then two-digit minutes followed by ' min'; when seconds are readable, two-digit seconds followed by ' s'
11 h 26 min 27 s
